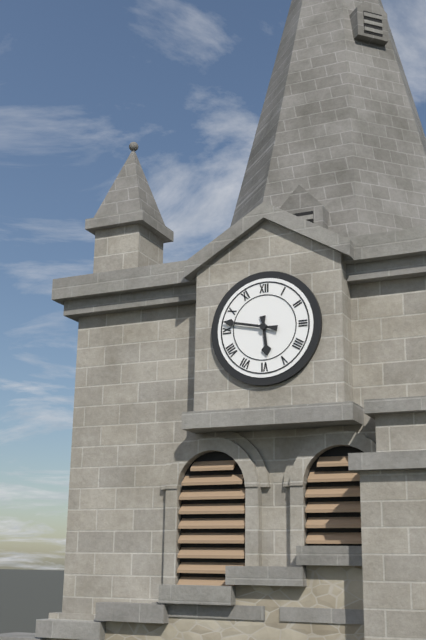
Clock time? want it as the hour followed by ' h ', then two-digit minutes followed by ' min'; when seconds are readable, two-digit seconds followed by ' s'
5 h 47 min
